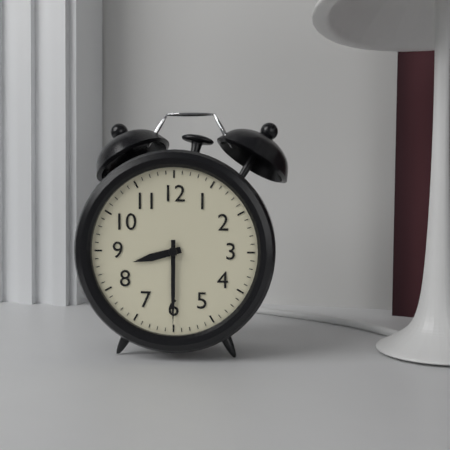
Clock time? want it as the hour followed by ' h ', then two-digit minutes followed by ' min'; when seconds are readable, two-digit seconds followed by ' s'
8 h 30 min
